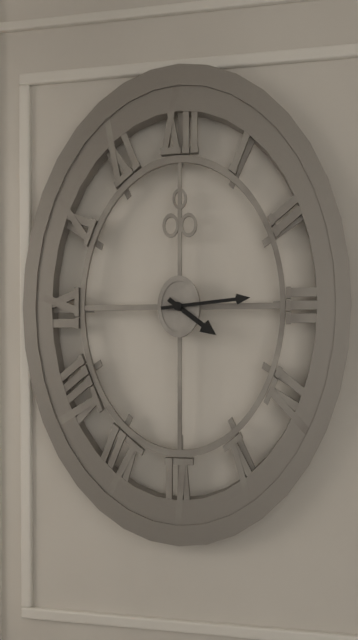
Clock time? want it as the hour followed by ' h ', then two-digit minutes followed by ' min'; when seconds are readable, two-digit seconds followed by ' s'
4 h 14 min
